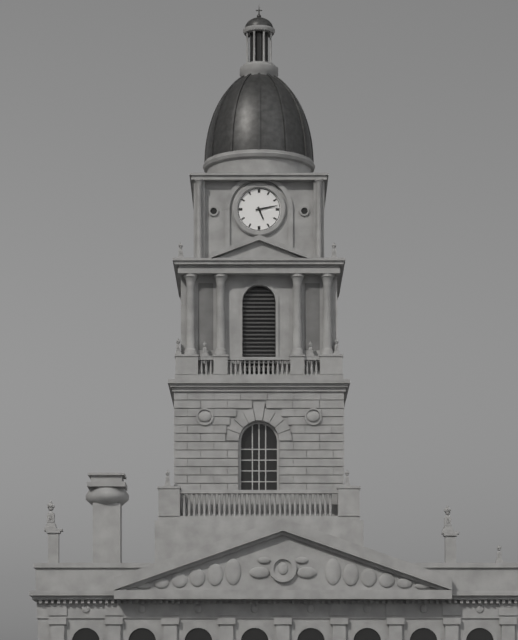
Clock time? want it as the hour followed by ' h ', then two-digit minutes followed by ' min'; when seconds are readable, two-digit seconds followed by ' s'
5 h 13 min
